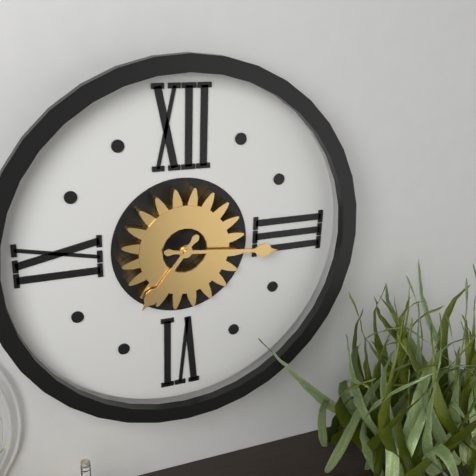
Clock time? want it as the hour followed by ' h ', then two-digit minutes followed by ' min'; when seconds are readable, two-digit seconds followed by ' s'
7 h 16 min
